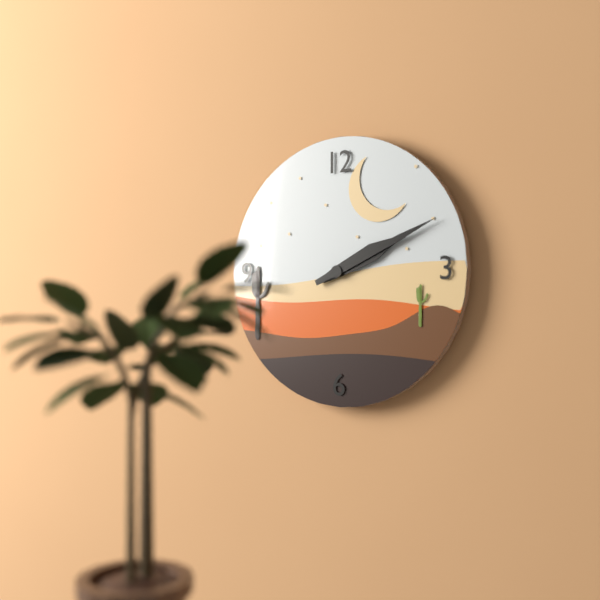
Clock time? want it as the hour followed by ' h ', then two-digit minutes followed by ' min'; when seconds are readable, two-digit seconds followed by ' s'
2 h 11 min
